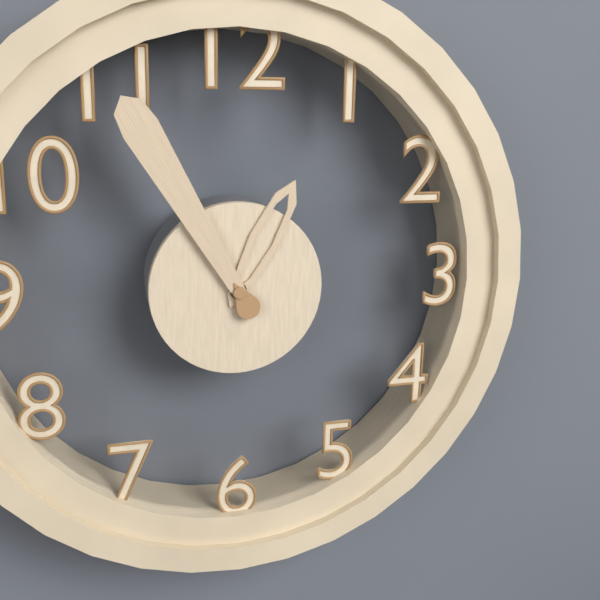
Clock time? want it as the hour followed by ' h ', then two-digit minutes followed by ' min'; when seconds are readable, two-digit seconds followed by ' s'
12 h 55 min
